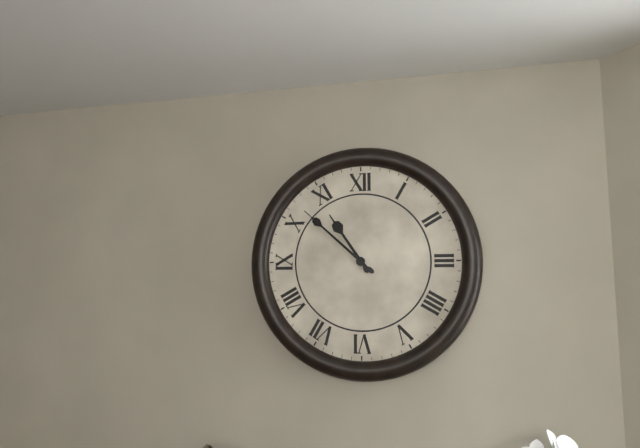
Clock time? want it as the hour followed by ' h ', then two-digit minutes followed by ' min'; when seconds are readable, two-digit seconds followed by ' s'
10 h 52 min
